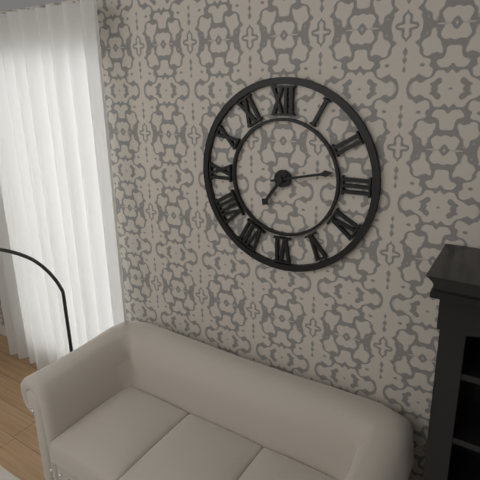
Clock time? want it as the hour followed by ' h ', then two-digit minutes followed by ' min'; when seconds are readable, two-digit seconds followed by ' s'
7 h 13 min
